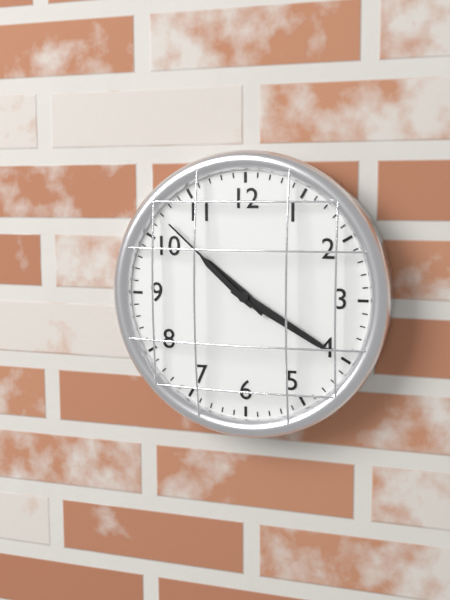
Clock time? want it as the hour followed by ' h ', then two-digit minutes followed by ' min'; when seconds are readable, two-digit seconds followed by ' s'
10 h 20 min 52 s
